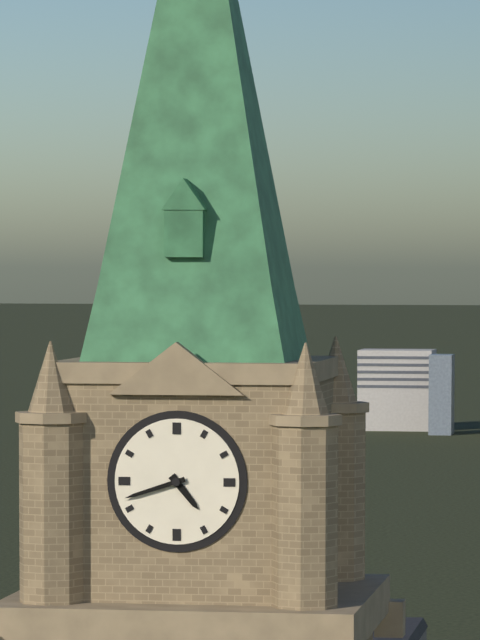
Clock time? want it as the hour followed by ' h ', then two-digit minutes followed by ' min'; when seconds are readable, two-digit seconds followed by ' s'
4 h 42 min
